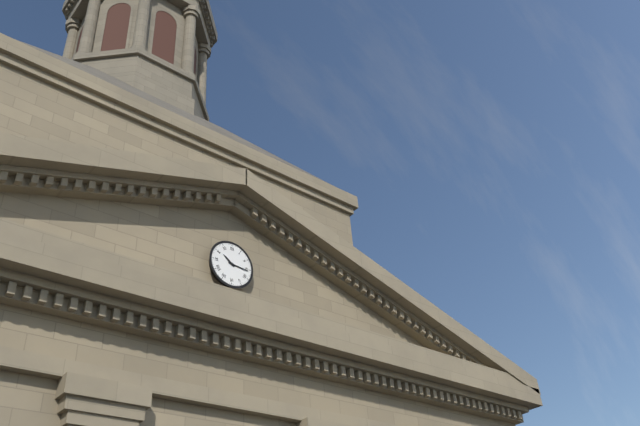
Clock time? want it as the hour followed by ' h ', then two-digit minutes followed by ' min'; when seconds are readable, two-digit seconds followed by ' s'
10 h 16 min
